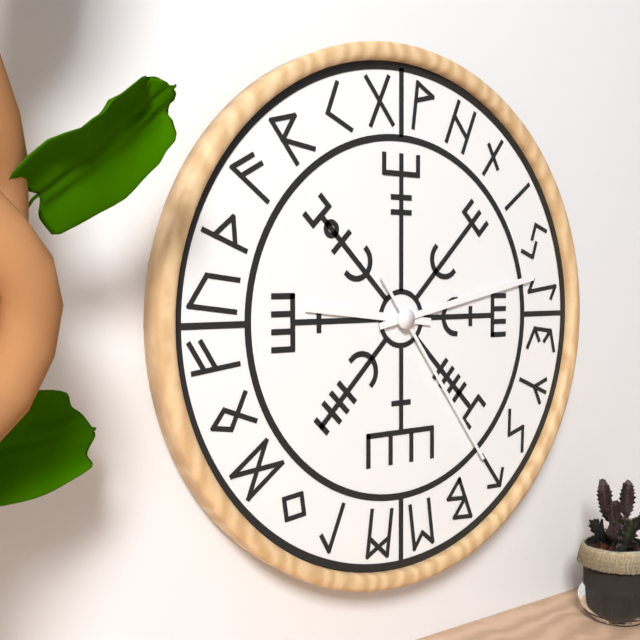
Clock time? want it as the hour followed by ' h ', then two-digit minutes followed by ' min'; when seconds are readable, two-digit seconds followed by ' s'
9 h 13 min 24 s
